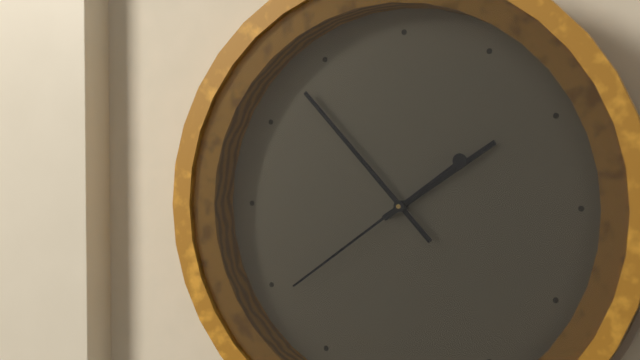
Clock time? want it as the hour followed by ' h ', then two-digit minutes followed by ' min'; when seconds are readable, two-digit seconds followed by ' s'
1 h 53 min 39 s
